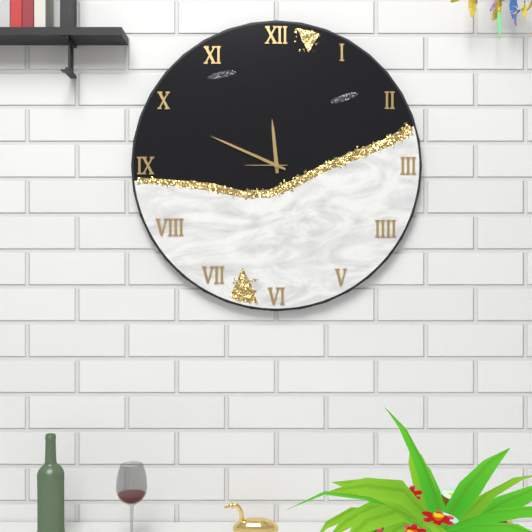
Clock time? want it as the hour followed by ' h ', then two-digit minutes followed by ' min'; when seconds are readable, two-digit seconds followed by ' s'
11 h 49 min
